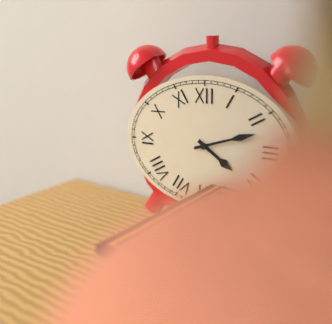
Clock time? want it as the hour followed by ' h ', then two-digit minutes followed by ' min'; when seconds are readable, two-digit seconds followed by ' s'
4 h 12 min
